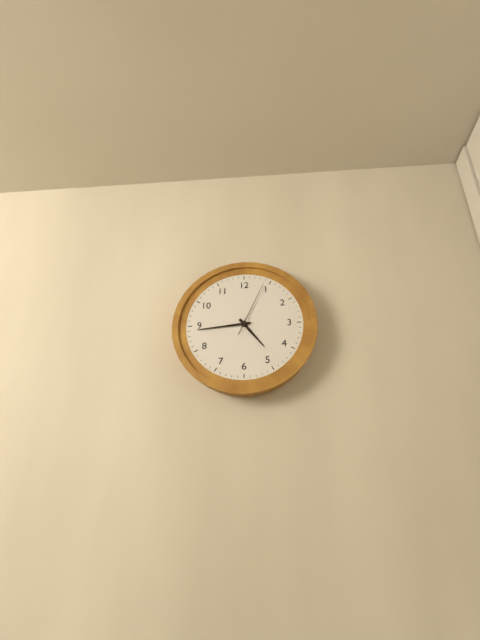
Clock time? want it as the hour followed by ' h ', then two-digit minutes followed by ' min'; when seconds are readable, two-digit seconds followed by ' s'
4 h 44 min 04 s
